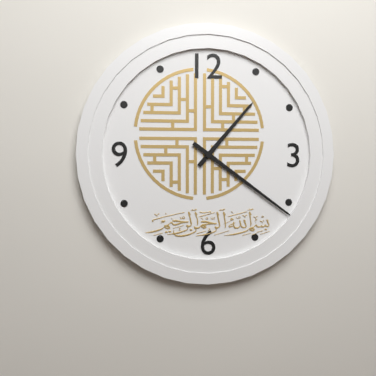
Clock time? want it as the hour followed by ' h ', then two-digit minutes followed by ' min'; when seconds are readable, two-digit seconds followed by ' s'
1 h 21 min
